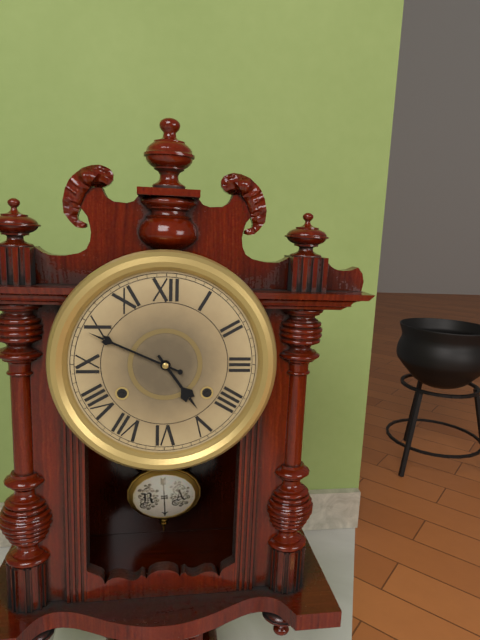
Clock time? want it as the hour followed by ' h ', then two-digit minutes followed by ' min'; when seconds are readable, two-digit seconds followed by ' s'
4 h 49 min
